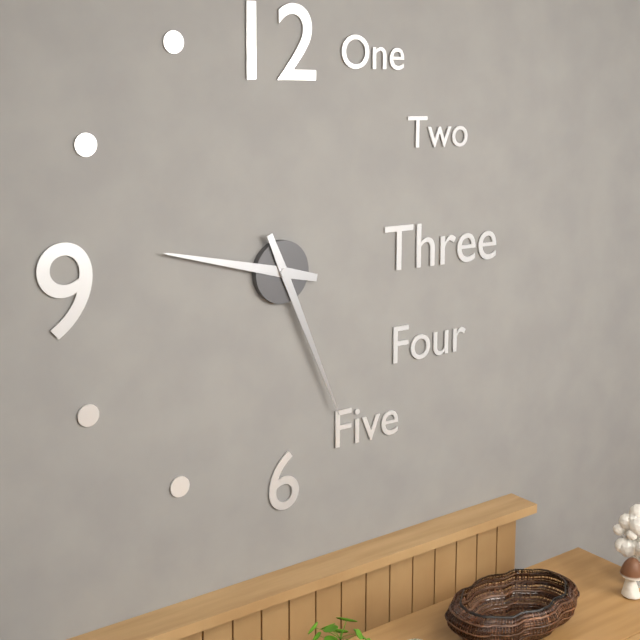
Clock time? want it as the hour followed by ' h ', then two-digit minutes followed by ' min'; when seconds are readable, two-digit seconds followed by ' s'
9 h 26 min
